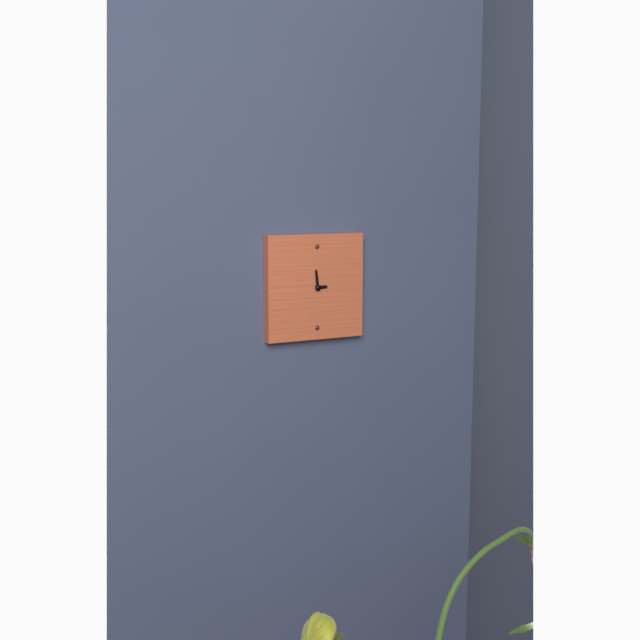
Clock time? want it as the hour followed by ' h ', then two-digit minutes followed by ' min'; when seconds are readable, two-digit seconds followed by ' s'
2 h 59 min
